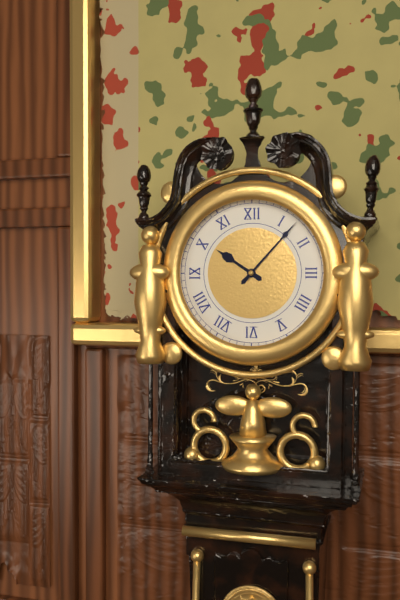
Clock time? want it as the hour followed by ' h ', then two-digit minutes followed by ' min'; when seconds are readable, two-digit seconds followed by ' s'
10 h 07 min
